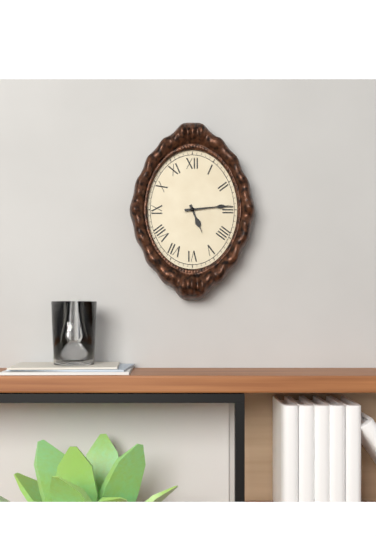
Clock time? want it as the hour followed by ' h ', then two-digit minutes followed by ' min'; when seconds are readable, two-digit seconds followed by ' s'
5 h 14 min
